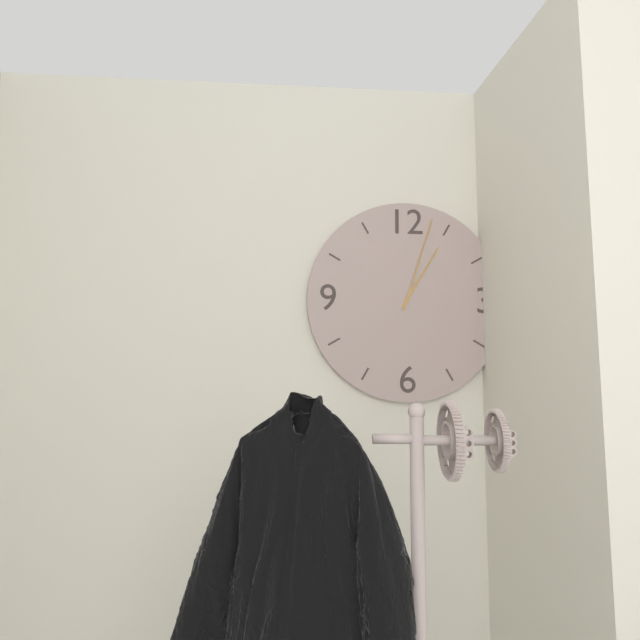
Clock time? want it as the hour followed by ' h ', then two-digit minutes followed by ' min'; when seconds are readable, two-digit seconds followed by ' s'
1 h 03 min
